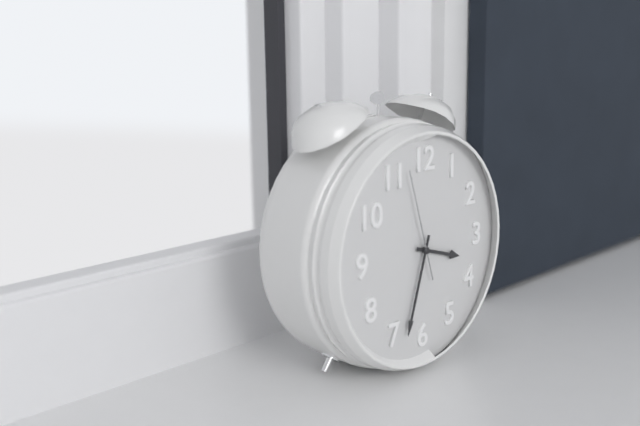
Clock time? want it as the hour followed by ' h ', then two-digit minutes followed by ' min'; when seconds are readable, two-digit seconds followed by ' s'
3 h 33 min 57 s
